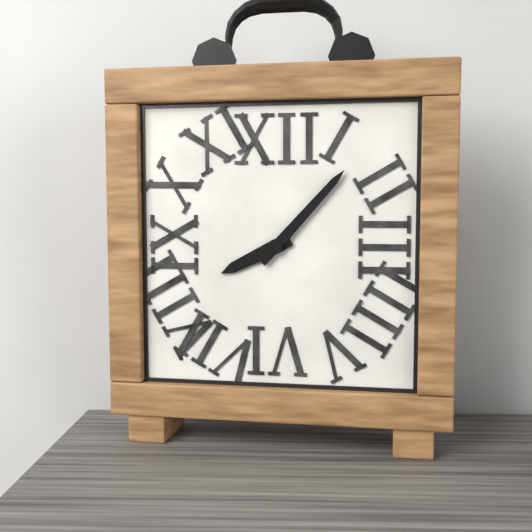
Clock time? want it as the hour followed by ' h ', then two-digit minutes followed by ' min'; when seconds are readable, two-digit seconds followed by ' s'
8 h 07 min
